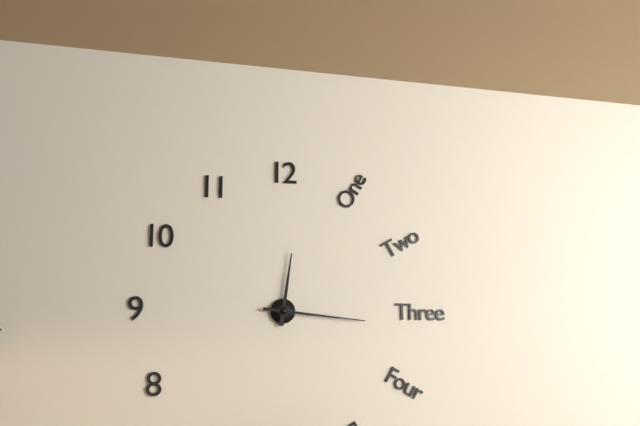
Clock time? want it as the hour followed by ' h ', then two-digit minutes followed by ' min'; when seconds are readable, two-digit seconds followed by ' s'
12 h 16 min
